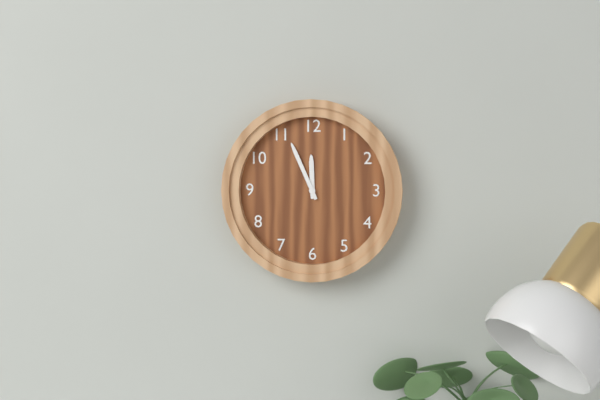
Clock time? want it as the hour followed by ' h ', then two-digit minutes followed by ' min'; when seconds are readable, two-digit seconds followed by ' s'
11 h 56 min
